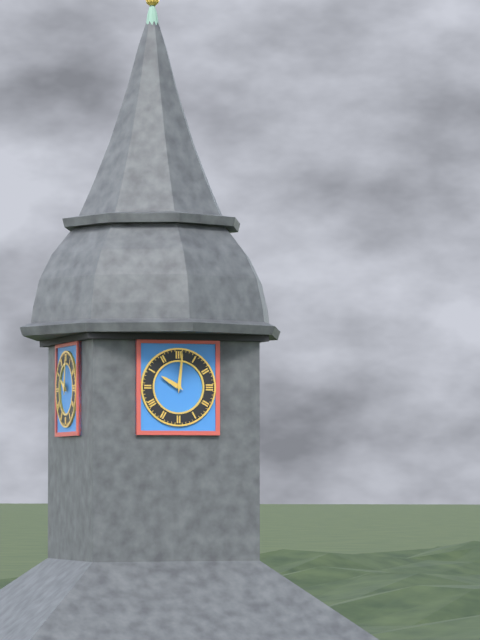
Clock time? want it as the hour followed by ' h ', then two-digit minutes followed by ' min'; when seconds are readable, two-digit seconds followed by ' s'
10 h 01 min
